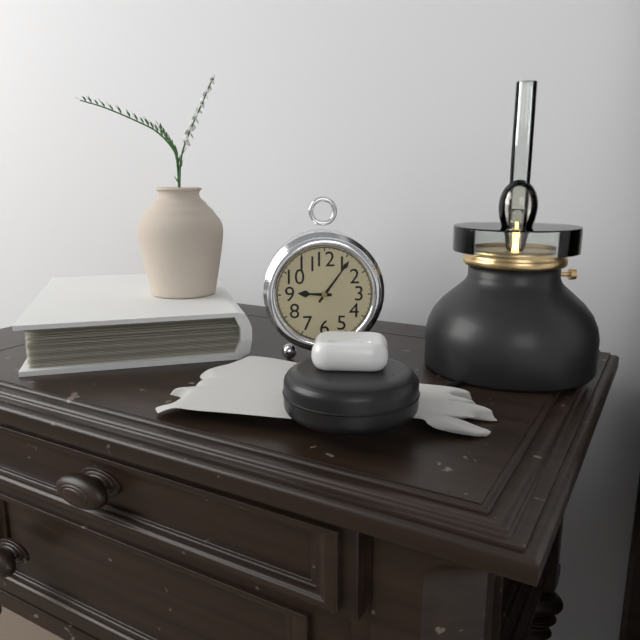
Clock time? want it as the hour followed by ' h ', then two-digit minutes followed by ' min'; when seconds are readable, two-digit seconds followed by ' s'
9 h 06 min
